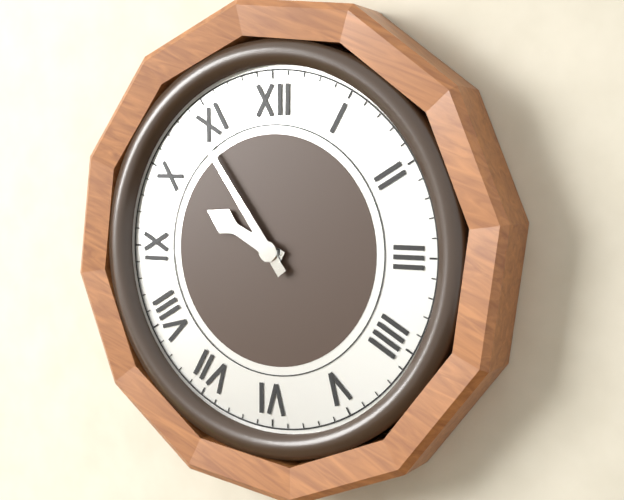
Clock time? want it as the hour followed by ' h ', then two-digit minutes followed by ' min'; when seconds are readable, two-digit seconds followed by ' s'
9 h 54 min
